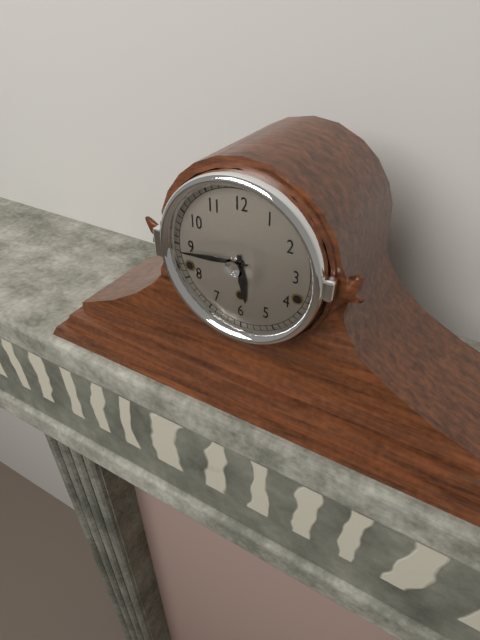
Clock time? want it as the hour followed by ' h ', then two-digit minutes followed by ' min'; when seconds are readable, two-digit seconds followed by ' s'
5 h 44 min
